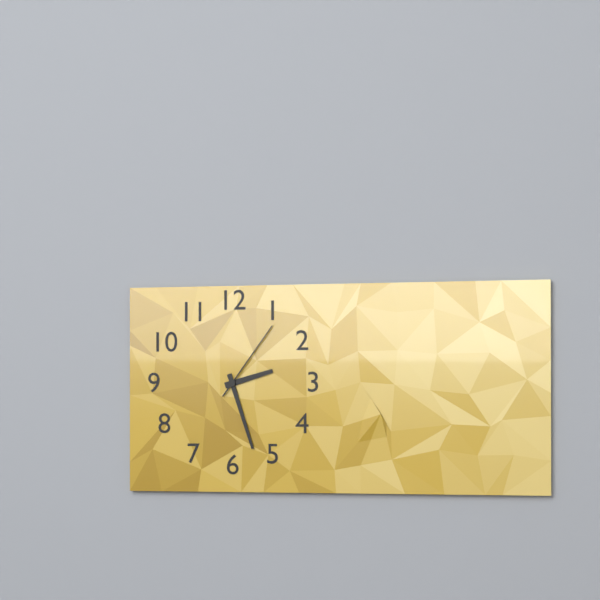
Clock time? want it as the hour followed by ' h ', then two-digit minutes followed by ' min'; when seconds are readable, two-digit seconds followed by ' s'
2 h 27 min 06 s
